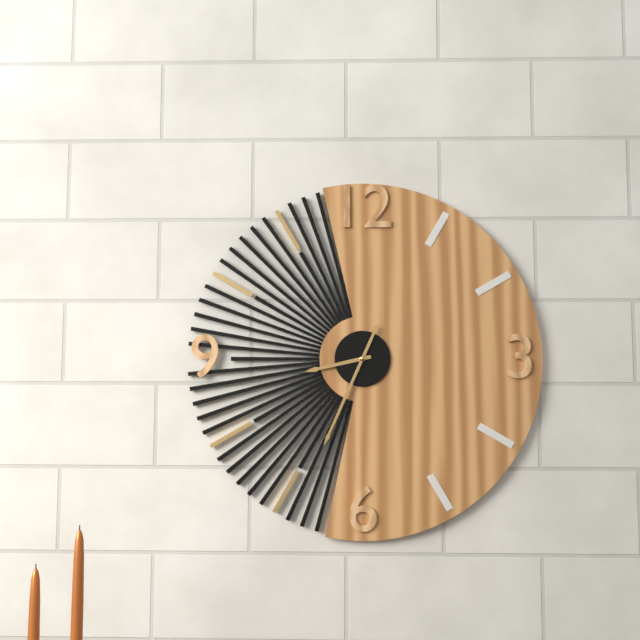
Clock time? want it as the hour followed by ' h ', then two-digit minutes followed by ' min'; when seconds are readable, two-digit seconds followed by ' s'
8 h 34 min
